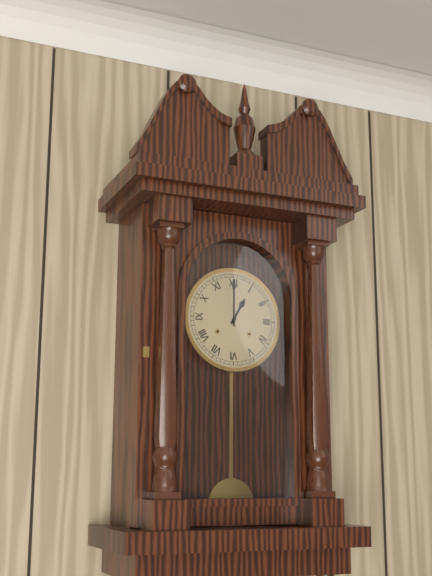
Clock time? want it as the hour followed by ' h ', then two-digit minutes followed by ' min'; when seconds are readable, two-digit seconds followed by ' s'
1 h 00 min
